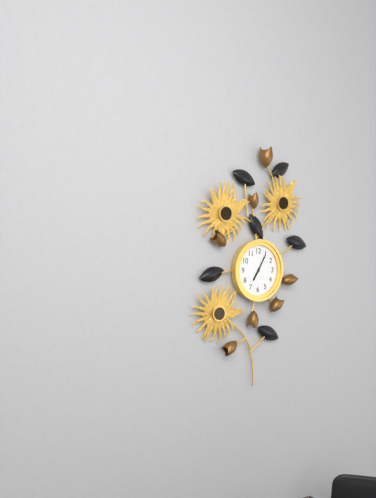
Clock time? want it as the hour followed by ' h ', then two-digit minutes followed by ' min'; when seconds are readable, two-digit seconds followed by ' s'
7 h 05 min
